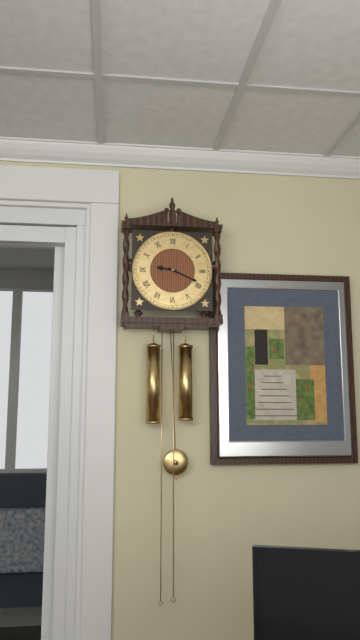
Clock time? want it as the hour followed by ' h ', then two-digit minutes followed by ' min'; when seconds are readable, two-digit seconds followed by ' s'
9 h 19 min
